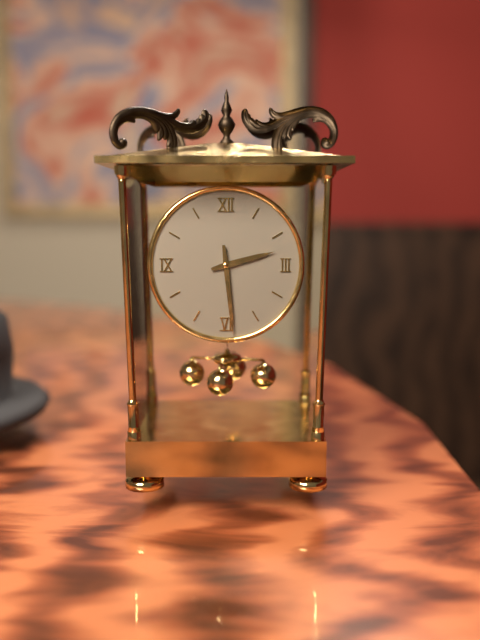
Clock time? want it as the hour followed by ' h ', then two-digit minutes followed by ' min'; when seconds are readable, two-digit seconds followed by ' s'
2 h 29 min
